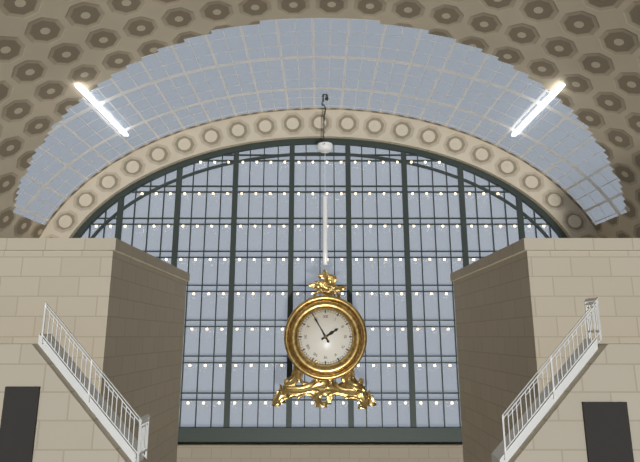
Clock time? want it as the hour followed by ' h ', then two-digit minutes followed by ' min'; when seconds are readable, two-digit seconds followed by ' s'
1 h 55 min
